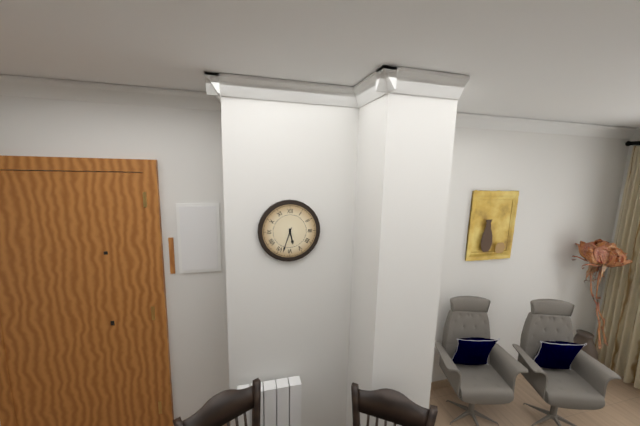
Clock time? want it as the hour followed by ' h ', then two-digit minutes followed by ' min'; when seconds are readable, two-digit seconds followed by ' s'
5 h 33 min
